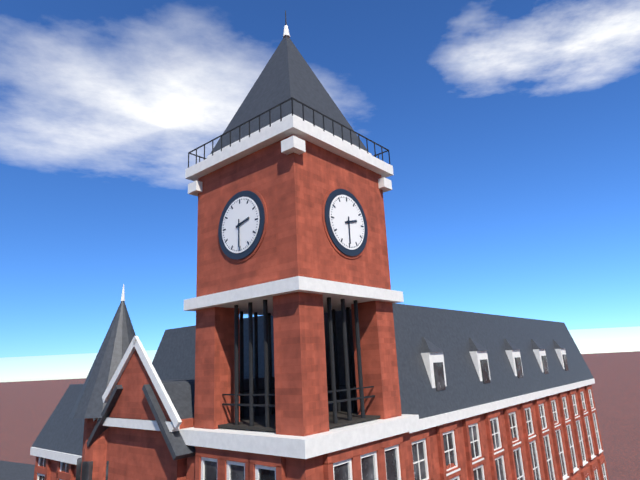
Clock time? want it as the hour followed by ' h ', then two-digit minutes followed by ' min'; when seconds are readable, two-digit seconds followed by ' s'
2 h 30 min
